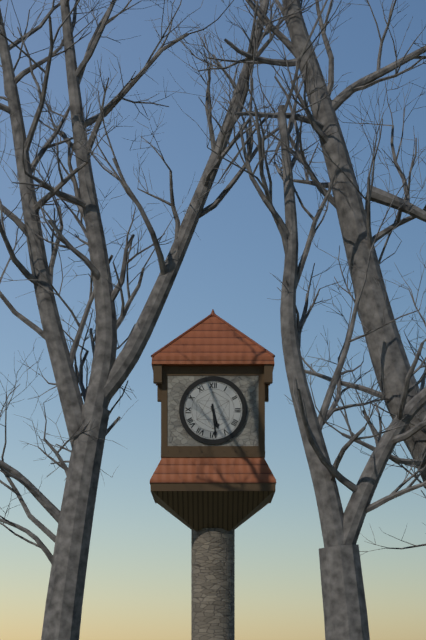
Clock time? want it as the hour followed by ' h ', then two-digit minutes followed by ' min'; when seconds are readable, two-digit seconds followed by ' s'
5 h 29 min
